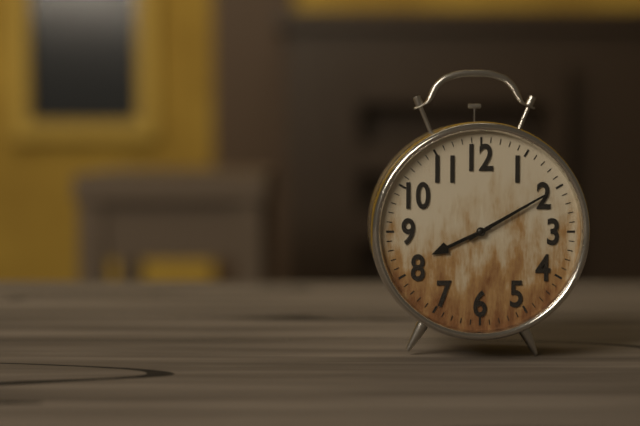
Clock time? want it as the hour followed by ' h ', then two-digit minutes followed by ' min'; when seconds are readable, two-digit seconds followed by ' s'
8 h 10 min
